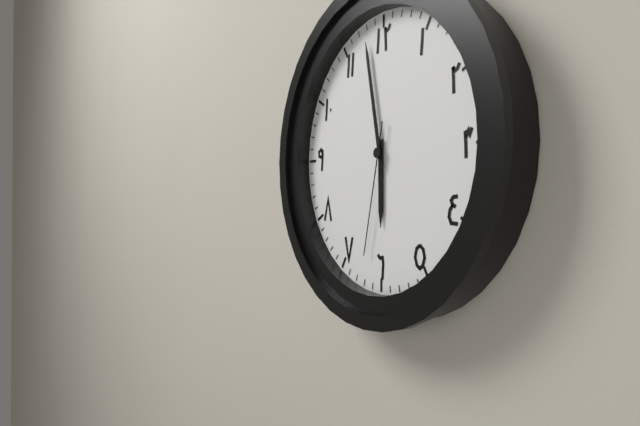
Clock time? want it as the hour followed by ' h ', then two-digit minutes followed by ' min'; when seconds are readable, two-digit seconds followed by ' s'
5 h 58 min 32 s
